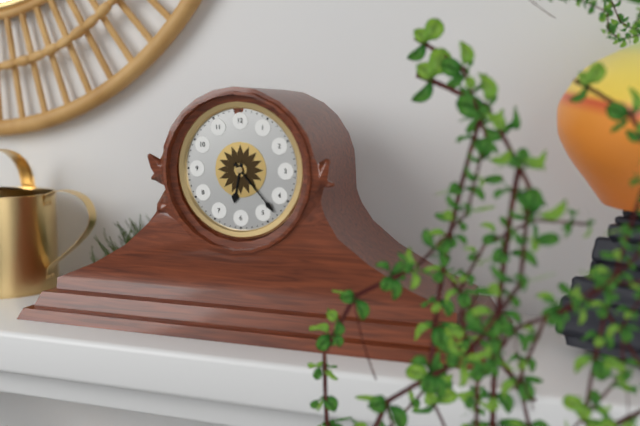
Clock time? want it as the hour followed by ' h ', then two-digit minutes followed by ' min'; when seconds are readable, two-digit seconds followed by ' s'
6 h 23 min
